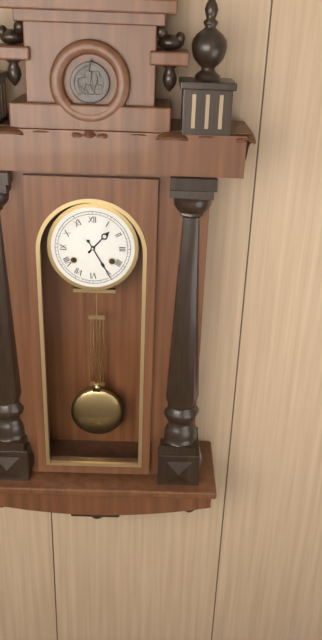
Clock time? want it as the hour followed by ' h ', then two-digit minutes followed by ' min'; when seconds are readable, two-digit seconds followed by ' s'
1 h 25 min
